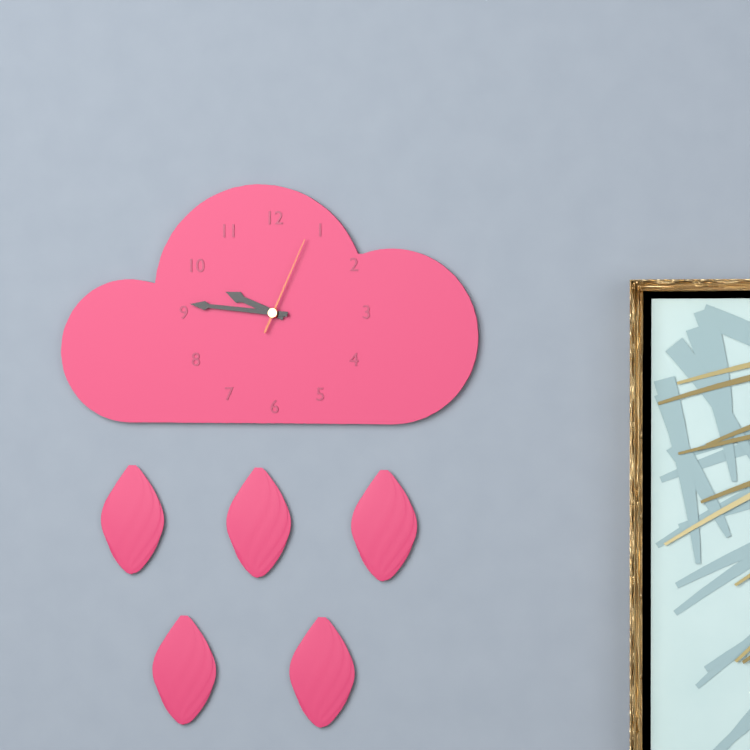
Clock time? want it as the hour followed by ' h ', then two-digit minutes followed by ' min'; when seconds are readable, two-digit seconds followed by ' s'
9 h 46 min 04 s
